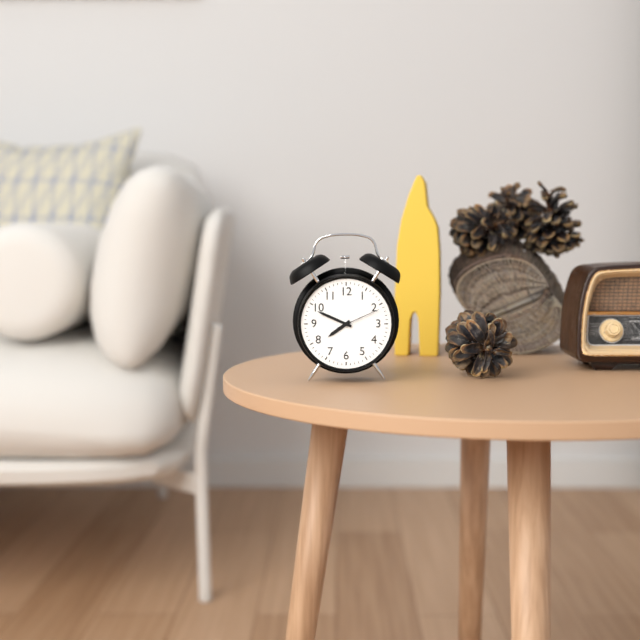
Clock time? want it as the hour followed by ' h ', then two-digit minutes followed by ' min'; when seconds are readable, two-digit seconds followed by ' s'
7 h 49 min
